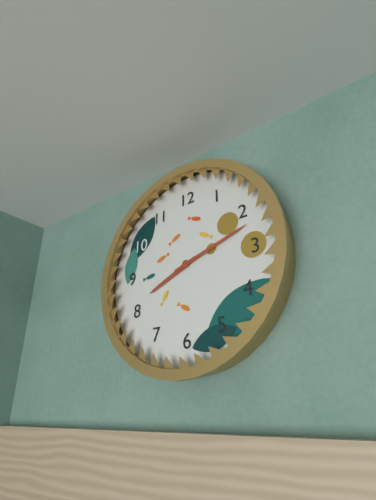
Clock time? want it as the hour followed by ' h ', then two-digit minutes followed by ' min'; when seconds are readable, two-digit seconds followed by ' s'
8 h 12 min
